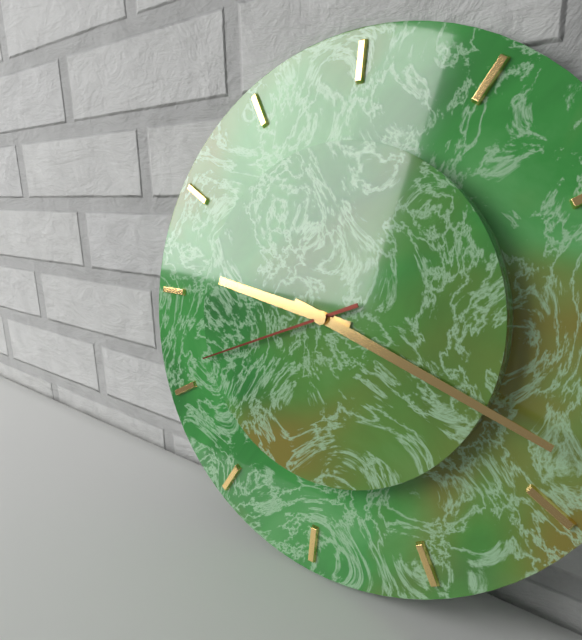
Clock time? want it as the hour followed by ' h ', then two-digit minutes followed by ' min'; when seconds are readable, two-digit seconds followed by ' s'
9 h 18 min 41 s
